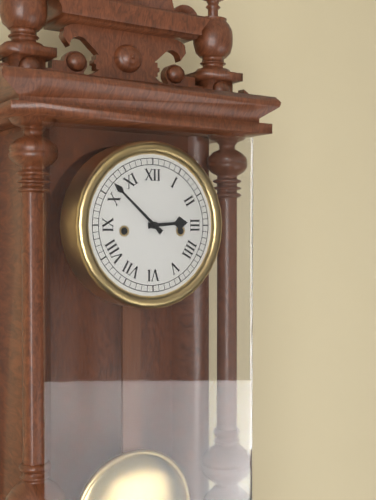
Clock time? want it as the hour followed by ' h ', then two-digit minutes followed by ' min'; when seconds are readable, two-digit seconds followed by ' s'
2 h 52 min
